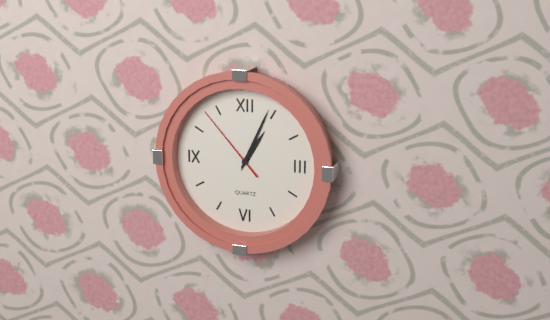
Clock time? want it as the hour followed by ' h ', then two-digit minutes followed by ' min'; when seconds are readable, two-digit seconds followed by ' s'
1 h 04 min 53 s
